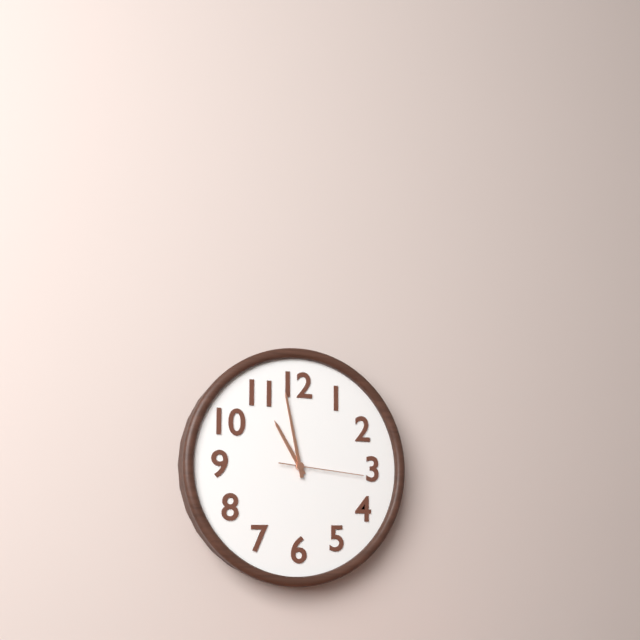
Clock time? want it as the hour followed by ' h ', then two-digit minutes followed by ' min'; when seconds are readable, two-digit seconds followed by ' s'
10 h 58 min 16 s
